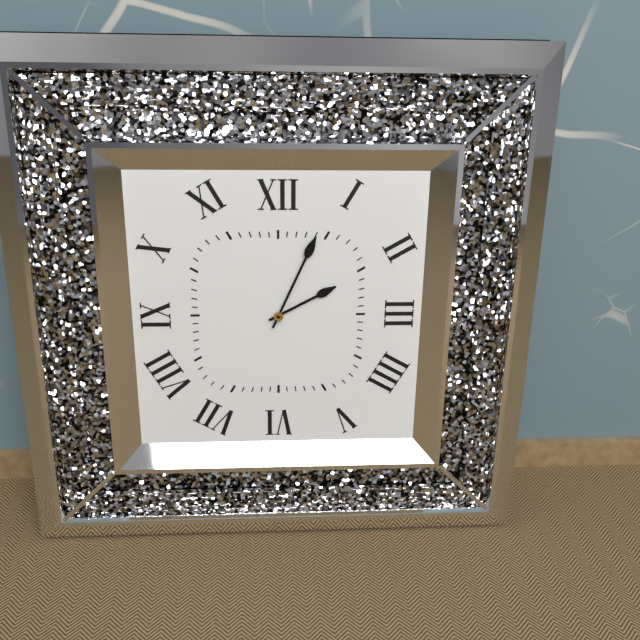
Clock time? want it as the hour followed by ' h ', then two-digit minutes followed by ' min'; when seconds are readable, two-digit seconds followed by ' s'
2 h 04 min
